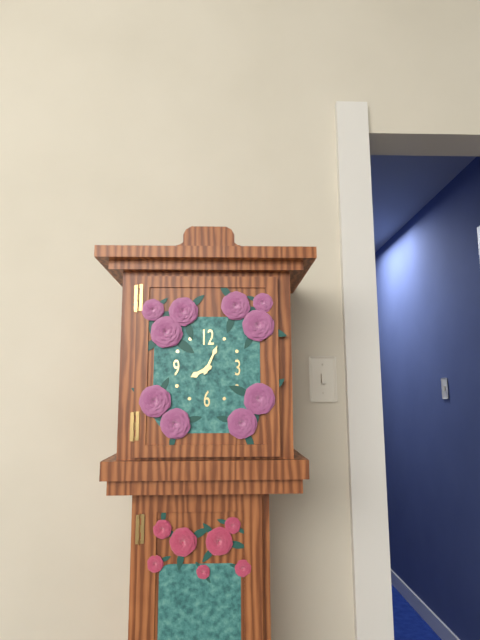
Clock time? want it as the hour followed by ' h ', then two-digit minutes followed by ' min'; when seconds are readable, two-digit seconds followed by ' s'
8 h 04 min
